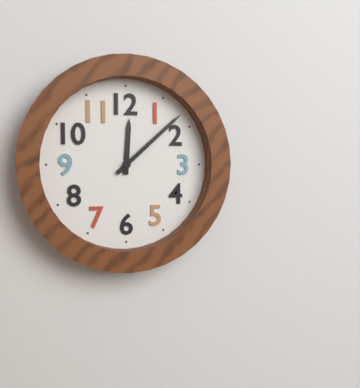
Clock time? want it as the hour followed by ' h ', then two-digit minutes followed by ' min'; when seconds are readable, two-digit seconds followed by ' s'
12 h 08 min
